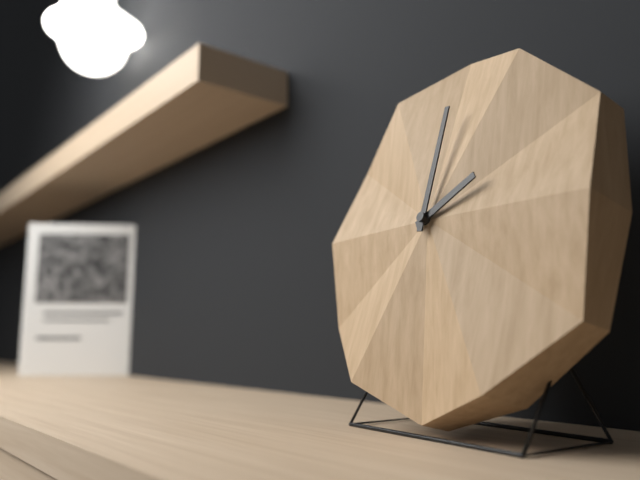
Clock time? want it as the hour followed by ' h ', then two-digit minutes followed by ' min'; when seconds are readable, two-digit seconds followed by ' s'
2 h 01 min
